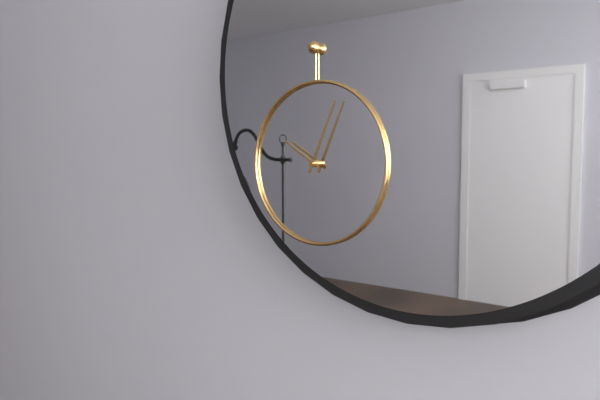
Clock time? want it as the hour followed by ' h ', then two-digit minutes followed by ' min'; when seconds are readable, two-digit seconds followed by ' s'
10 h 04 min
